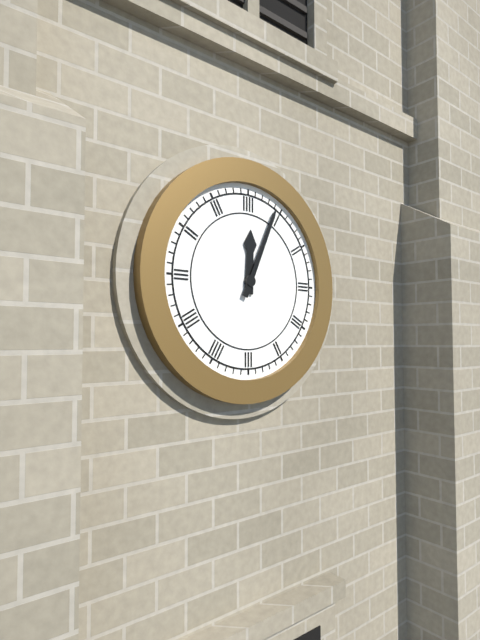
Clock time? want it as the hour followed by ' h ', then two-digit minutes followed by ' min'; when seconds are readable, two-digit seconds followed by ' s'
12 h 04 min
